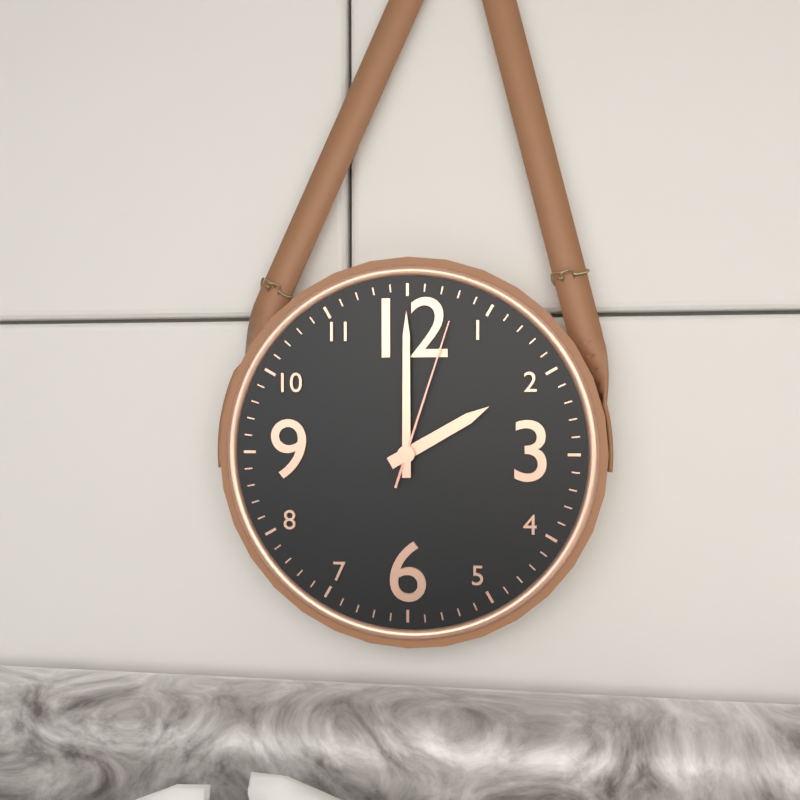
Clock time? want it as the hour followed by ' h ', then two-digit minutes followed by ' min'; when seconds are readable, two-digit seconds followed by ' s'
2 h 00 min 03 s
